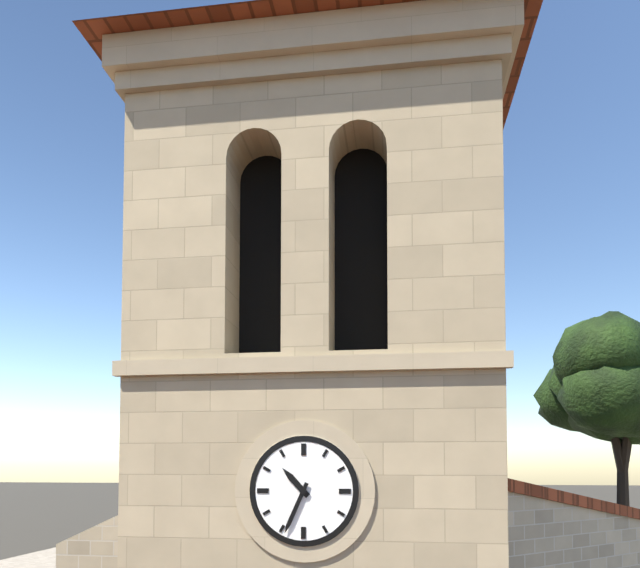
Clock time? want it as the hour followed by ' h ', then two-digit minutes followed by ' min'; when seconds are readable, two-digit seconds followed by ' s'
10 h 34 min
